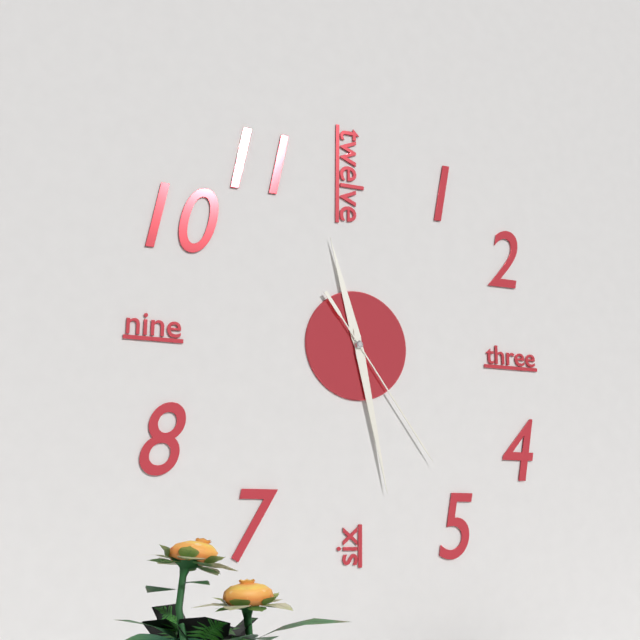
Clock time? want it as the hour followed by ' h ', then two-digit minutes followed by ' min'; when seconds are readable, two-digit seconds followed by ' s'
11 h 28 min 24 s
